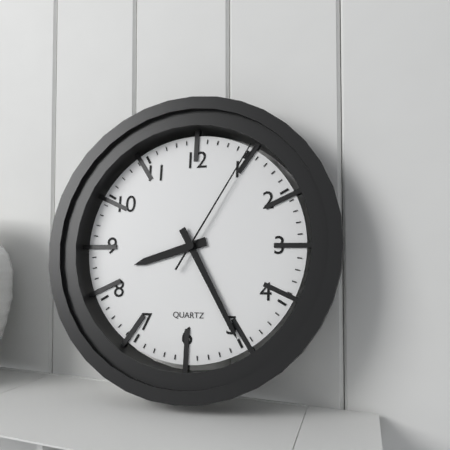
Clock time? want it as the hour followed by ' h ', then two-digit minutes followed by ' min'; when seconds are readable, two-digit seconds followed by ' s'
8 h 25 min 05 s
